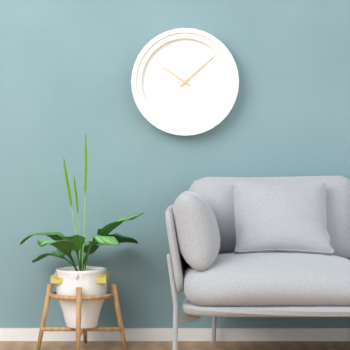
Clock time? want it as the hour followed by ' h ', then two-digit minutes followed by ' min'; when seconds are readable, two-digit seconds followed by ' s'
10 h 08 min
